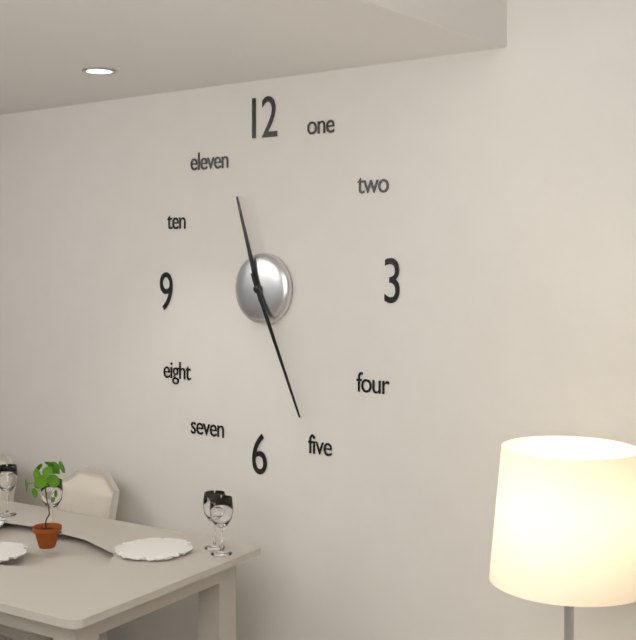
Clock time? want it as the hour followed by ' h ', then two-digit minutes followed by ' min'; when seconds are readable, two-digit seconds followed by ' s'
11 h 26 min
